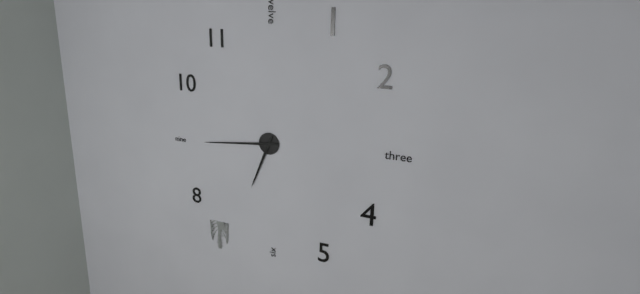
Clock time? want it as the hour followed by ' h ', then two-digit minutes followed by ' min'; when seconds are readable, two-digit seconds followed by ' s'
6 h 44 min
